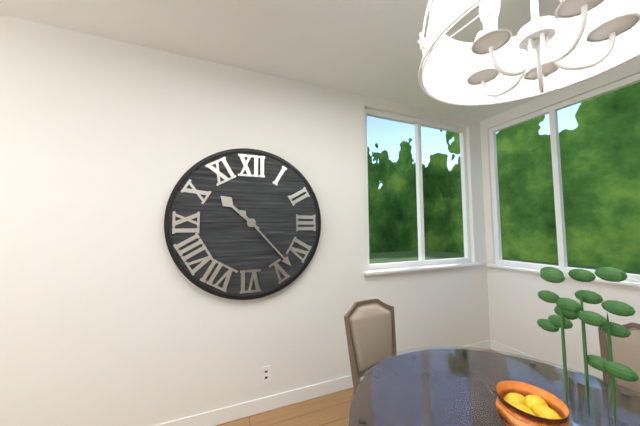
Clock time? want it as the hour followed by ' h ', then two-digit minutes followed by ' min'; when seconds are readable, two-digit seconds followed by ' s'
10 h 23 min
